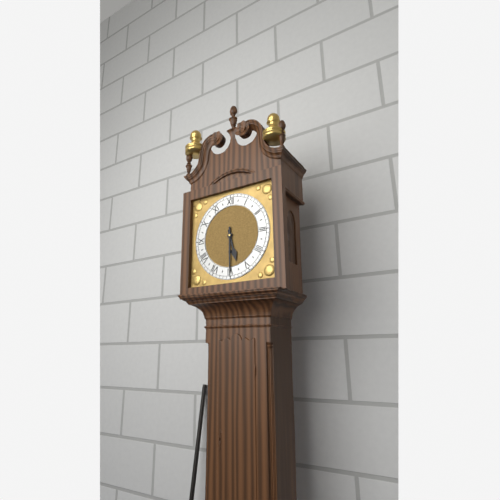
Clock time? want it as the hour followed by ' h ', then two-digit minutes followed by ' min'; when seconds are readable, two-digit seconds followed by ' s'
5 h 30 min
